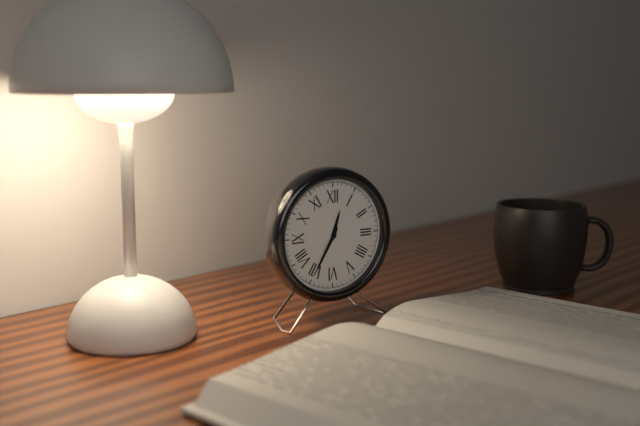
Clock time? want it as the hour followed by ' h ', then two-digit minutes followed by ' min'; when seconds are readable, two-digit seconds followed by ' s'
12 h 35 min
